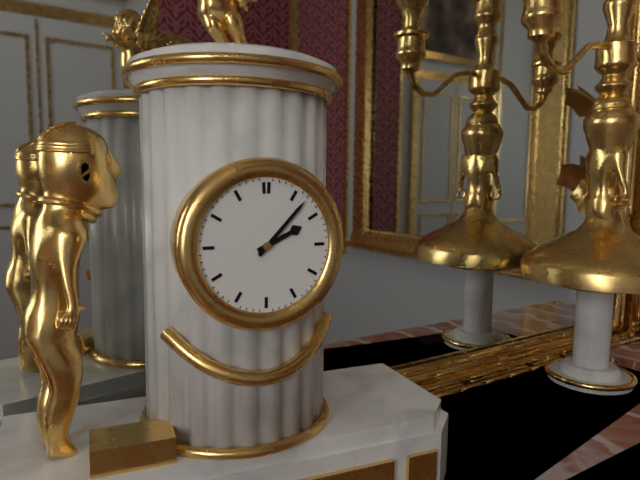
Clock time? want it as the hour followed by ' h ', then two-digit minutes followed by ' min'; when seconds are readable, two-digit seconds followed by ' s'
2 h 07 min
